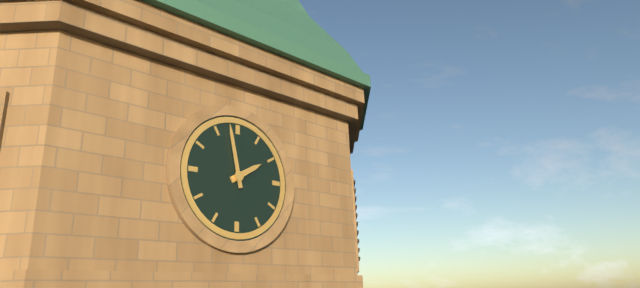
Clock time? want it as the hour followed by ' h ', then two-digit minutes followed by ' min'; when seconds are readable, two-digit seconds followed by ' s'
1 h 58 min
